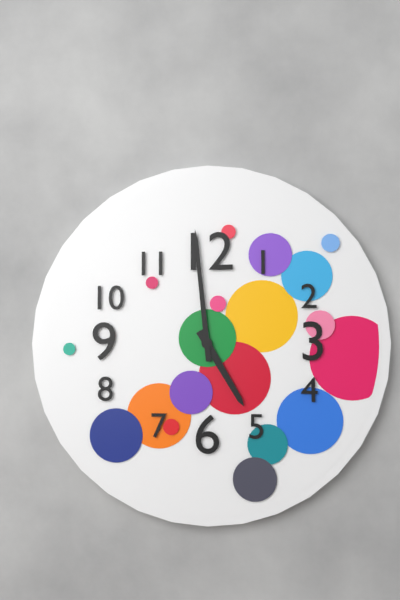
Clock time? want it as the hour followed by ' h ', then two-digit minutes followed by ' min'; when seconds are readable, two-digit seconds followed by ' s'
4 h 59 min
